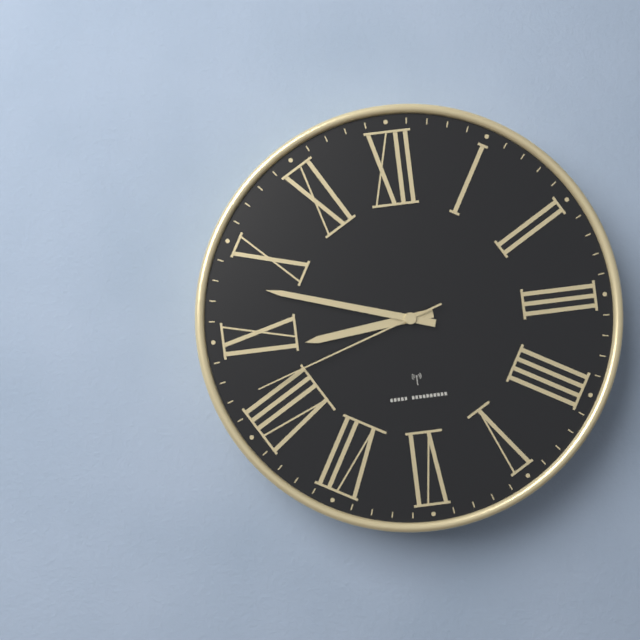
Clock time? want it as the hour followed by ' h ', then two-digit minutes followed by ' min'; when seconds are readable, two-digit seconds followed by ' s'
8 h 48 min 42 s
